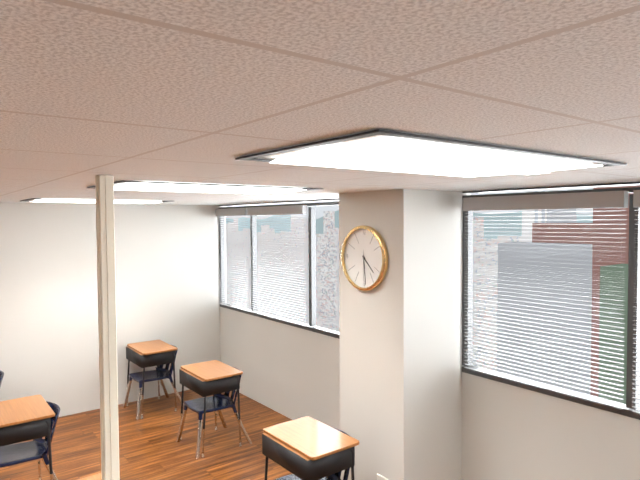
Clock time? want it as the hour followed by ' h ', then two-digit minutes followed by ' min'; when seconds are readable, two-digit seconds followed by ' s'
4 h 29 min
